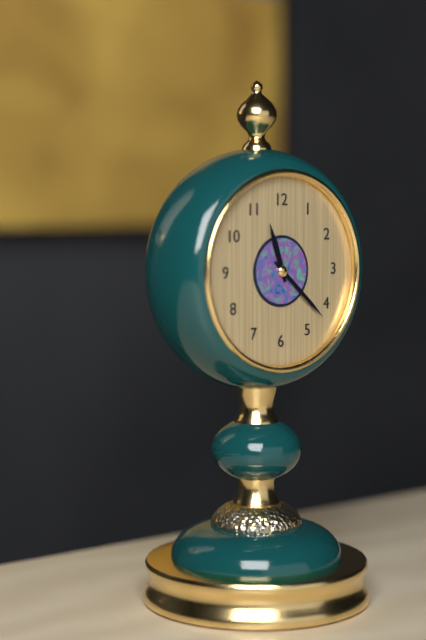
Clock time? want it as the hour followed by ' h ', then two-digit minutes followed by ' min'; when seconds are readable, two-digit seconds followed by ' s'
11 h 22 min
